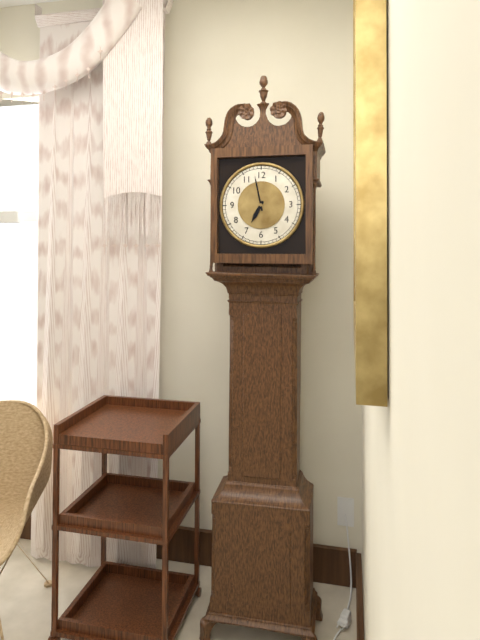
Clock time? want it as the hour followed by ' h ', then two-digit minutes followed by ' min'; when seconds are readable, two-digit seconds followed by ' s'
6 h 58 min
